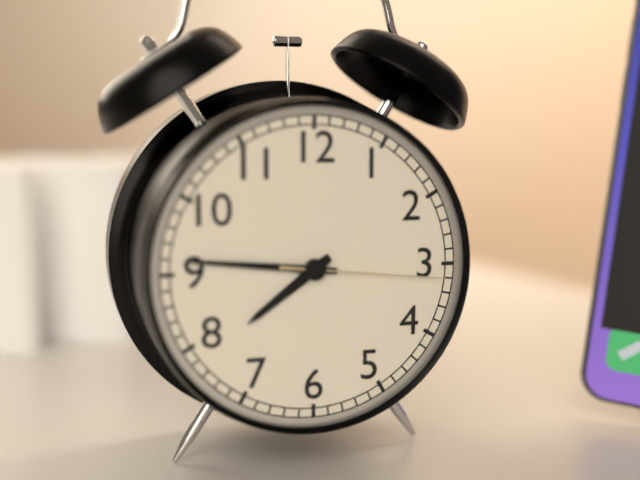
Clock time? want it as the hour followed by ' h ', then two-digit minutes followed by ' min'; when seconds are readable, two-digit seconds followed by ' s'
7 h 46 min 16 s
